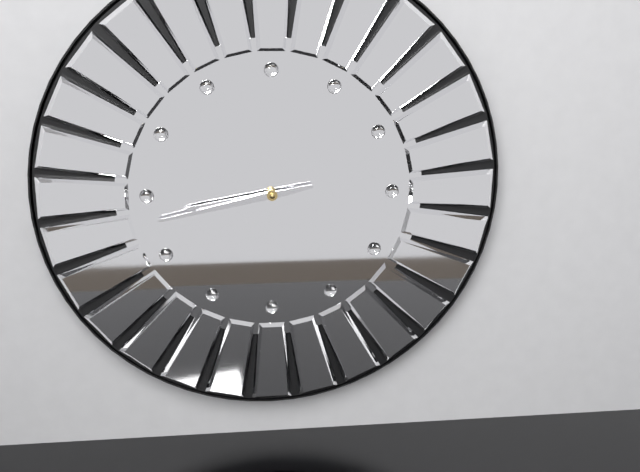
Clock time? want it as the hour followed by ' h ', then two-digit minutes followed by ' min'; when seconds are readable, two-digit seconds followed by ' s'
8 h 43 min
